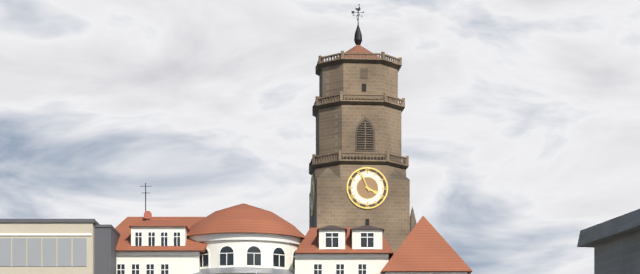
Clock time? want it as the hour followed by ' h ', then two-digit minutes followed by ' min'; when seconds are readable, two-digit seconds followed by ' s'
3 h 56 min
